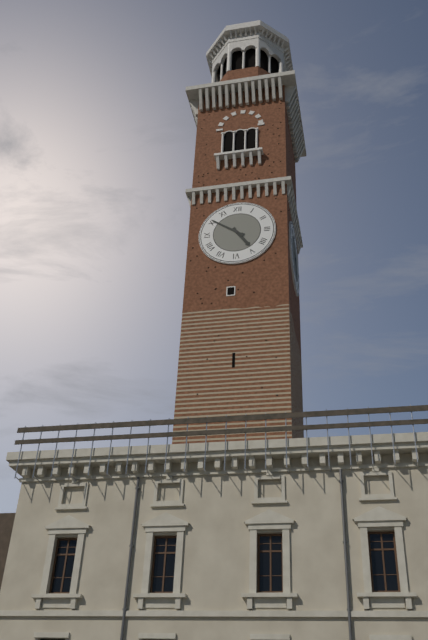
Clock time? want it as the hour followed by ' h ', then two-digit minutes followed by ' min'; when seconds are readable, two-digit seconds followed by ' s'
4 h 51 min
